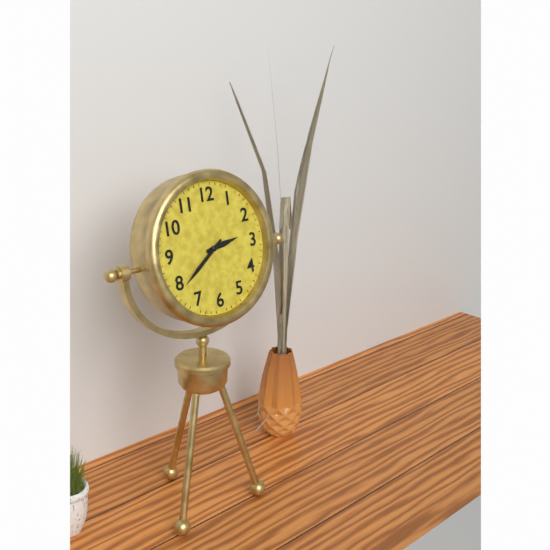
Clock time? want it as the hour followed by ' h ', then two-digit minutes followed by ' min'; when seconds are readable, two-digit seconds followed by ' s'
2 h 39 min
